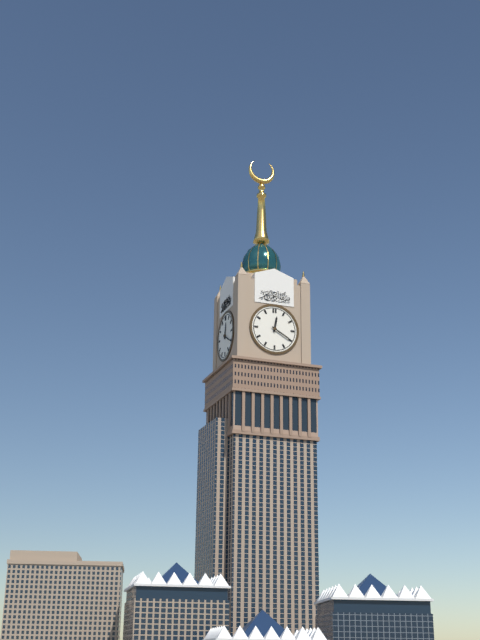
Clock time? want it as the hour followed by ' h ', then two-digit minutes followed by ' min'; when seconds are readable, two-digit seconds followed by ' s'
12 h 20 min
